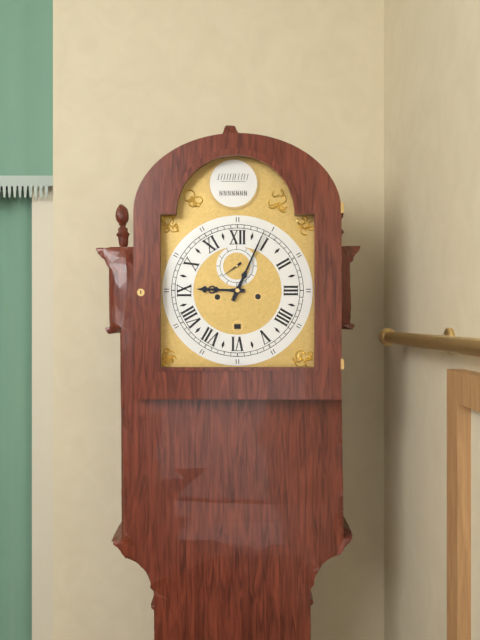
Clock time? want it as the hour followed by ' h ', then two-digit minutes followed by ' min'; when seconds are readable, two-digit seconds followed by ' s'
9 h 04 min
